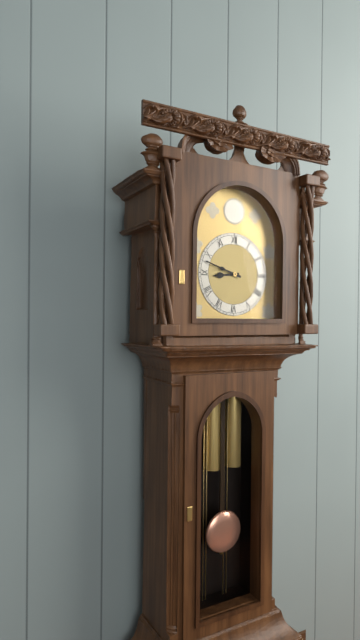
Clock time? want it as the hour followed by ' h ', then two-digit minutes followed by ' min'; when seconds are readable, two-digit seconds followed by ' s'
8 h 48 min
